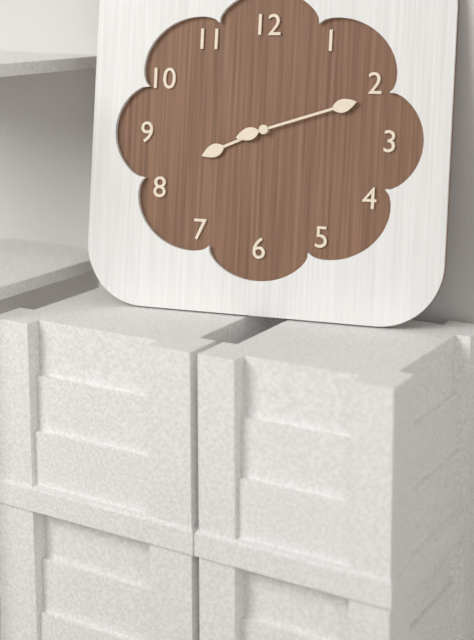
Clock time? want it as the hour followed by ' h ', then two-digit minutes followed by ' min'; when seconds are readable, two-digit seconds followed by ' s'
8 h 12 min
